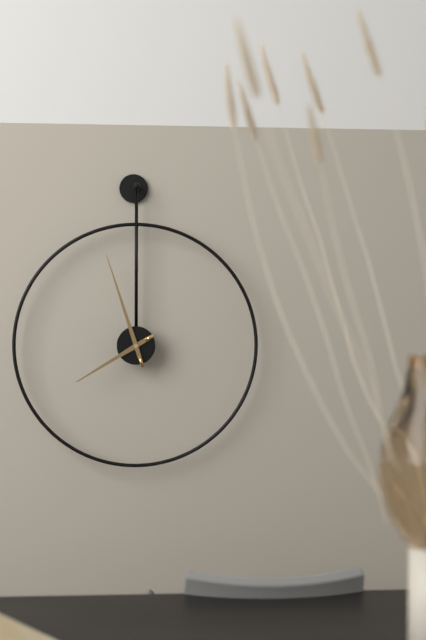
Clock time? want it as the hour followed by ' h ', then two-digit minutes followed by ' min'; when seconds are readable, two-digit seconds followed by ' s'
7 h 57 min
